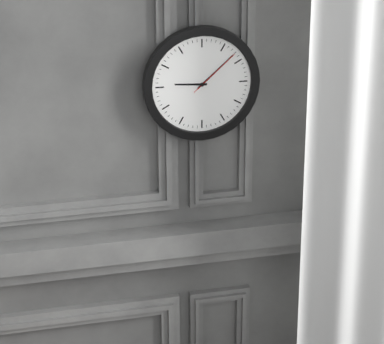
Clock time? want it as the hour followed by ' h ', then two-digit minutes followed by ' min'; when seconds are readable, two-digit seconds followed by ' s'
9 h 08 min 08 s
